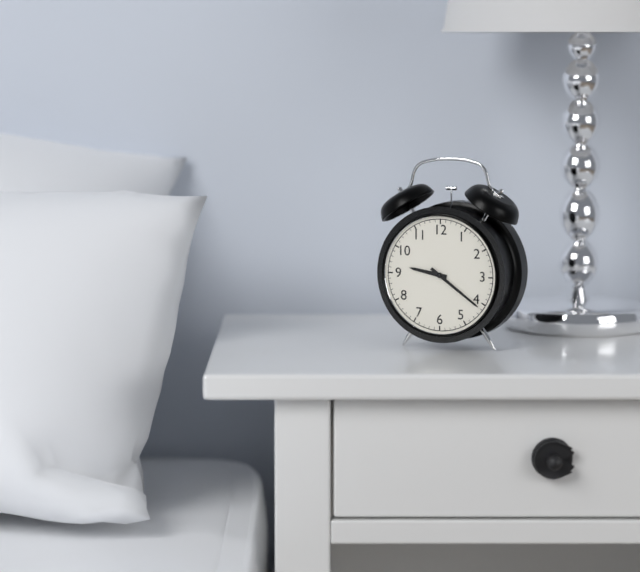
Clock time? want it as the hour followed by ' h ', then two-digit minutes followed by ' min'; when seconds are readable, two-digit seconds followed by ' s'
9 h 21 min
